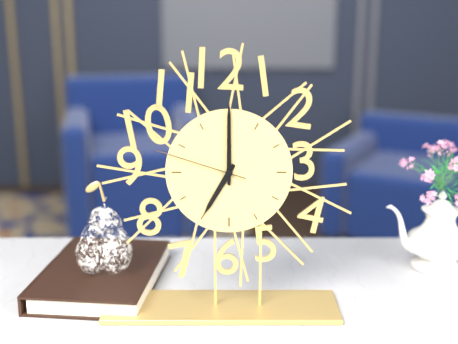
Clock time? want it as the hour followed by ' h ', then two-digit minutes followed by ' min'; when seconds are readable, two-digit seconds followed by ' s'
7 h 00 min 48 s
